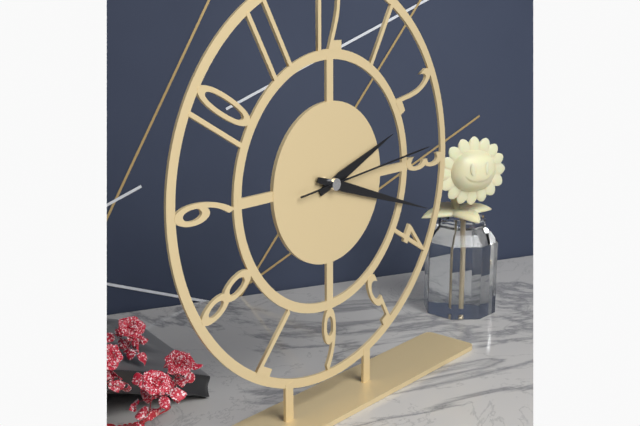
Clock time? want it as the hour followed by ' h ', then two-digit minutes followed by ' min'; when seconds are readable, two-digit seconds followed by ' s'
2 h 18 min 14 s
